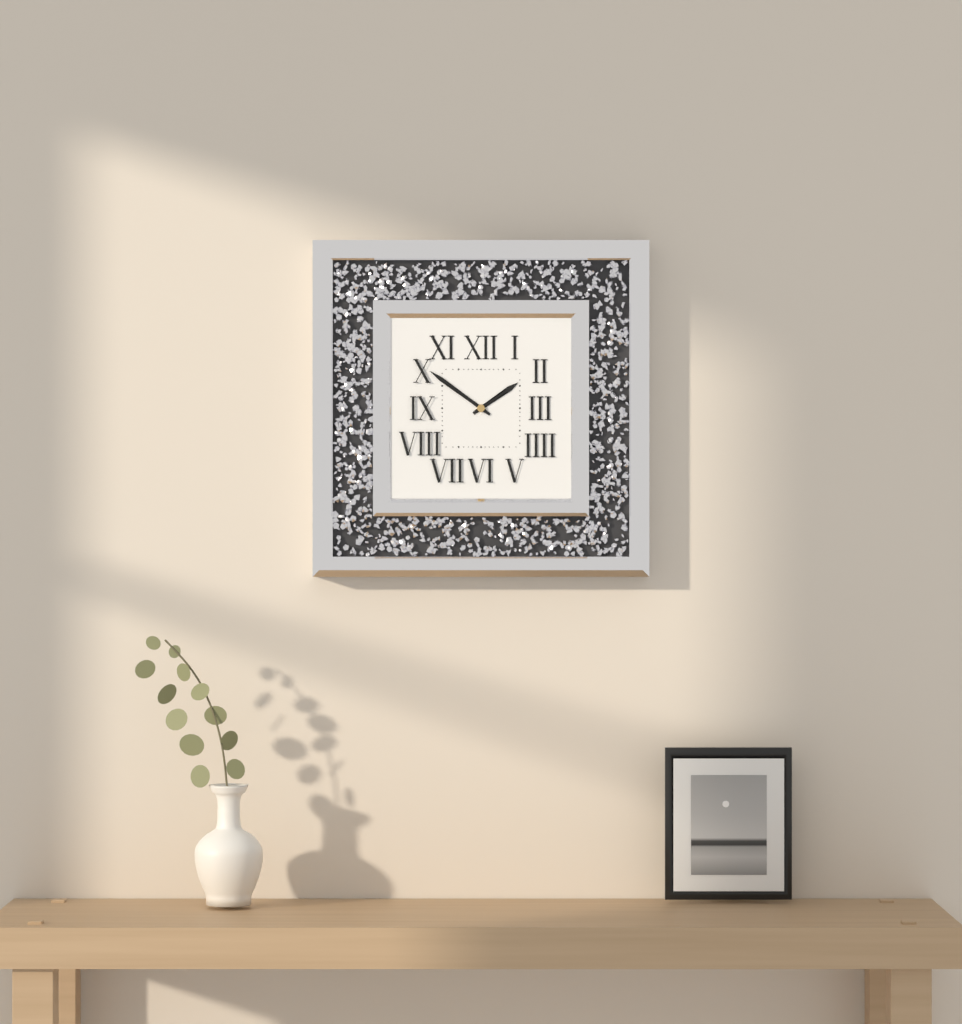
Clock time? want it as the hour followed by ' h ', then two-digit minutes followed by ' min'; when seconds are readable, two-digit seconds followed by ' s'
1 h 51 min
